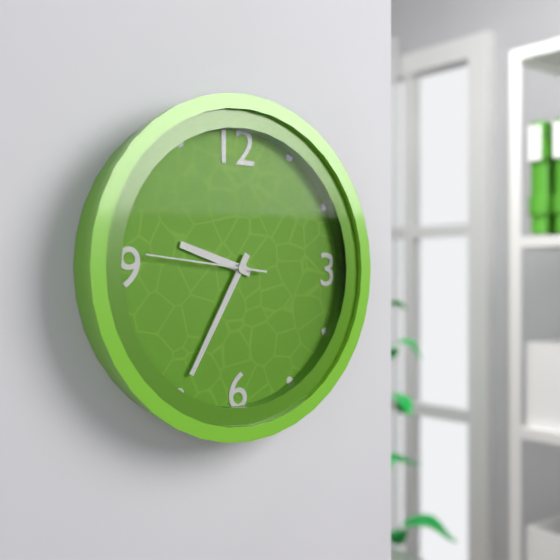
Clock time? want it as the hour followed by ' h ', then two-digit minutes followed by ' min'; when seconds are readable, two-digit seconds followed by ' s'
9 h 35 min 46 s
